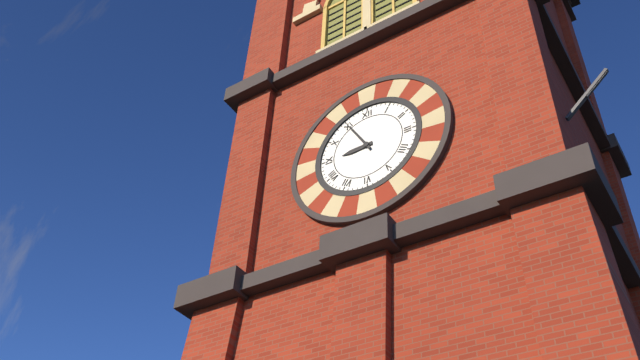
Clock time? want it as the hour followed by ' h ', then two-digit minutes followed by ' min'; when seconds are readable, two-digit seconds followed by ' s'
8 h 55 min
